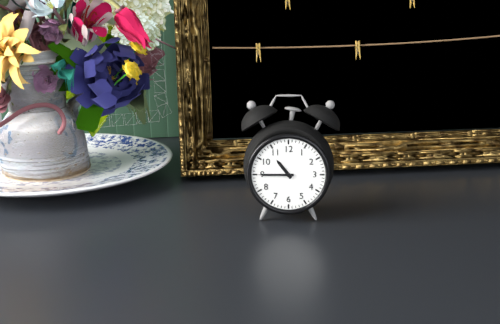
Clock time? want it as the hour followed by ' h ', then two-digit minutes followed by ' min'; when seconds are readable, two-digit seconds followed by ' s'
10 h 45 min
